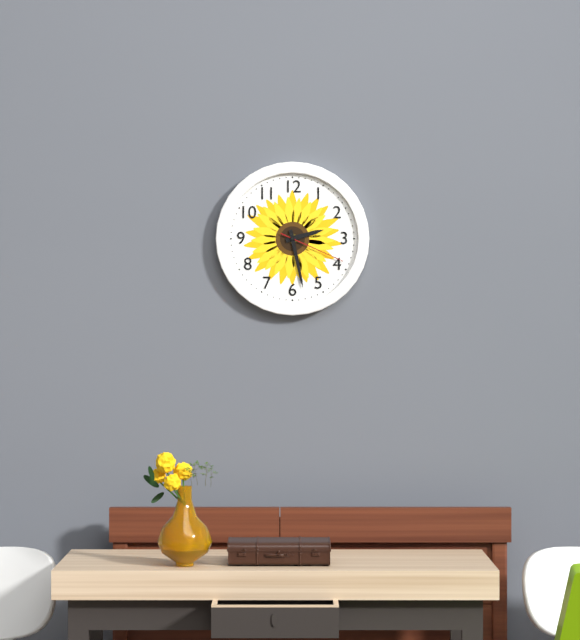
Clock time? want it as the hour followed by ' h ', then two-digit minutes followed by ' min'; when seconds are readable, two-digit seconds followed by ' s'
2 h 28 min 19 s
